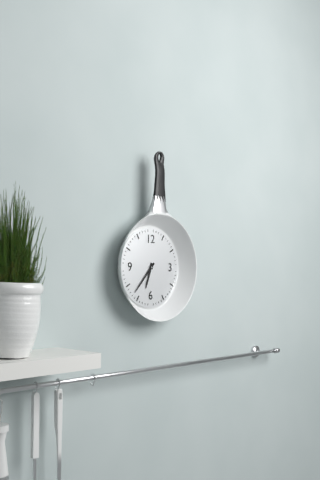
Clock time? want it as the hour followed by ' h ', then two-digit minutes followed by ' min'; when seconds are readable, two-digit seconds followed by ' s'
6 h 37 min
